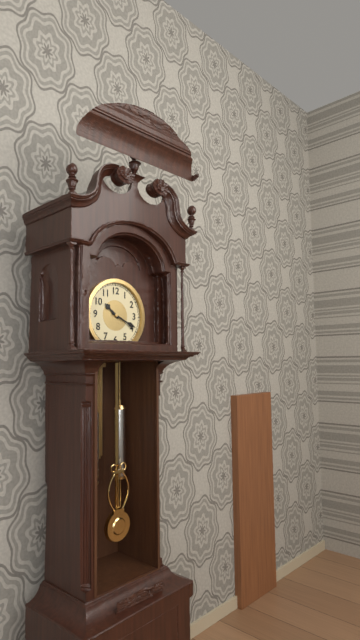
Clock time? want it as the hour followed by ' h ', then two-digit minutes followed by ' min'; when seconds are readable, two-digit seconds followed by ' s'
10 h 19 min
